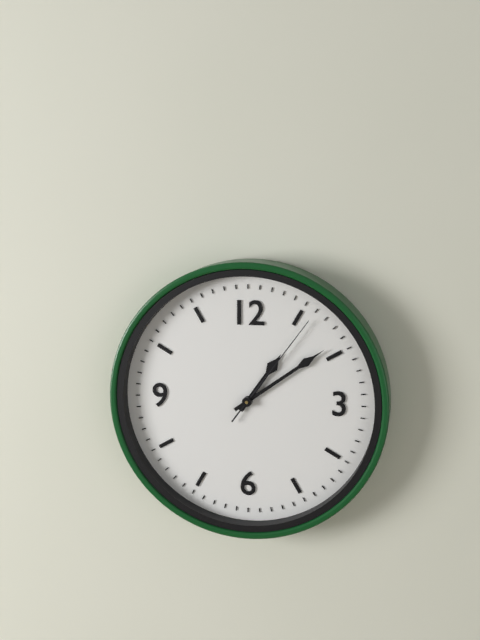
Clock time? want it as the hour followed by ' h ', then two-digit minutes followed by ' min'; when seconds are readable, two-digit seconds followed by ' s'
1 h 09 min 06 s
